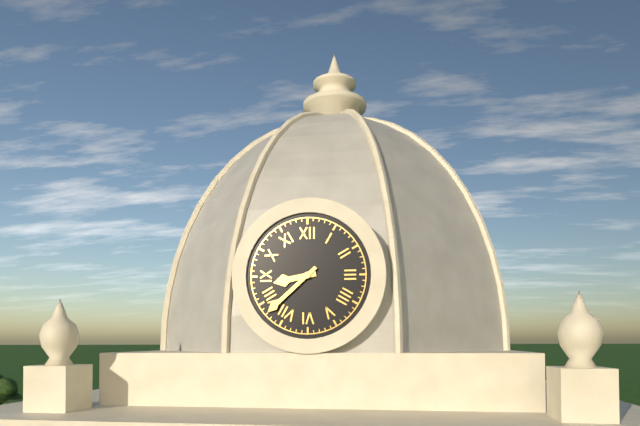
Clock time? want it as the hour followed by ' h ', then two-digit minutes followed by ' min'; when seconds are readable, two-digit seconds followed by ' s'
8 h 38 min
